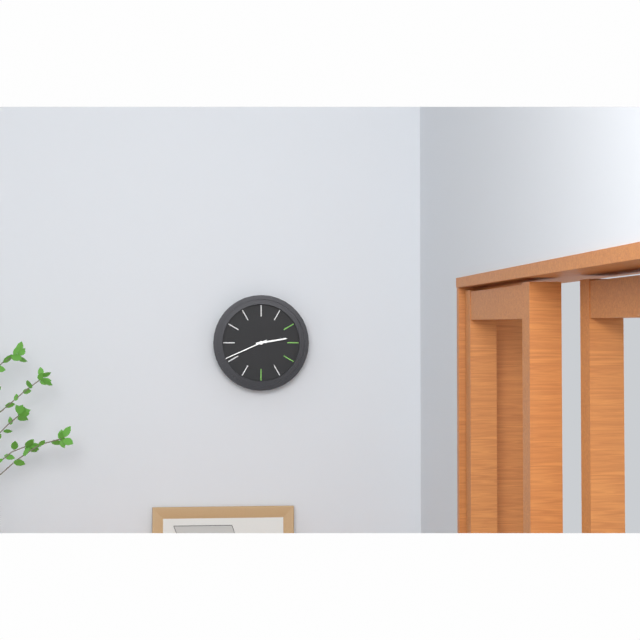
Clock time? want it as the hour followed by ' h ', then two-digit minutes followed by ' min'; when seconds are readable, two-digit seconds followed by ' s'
2 h 41 min
